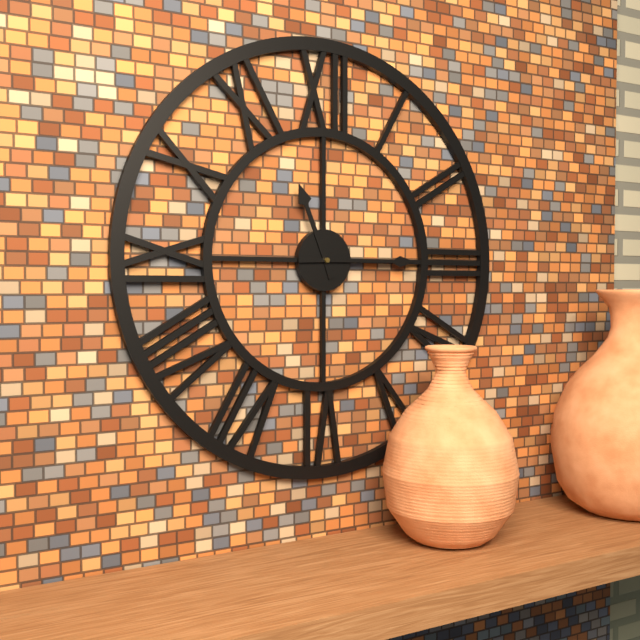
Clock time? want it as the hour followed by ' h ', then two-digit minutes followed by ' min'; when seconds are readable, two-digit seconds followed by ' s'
11 h 15 min
